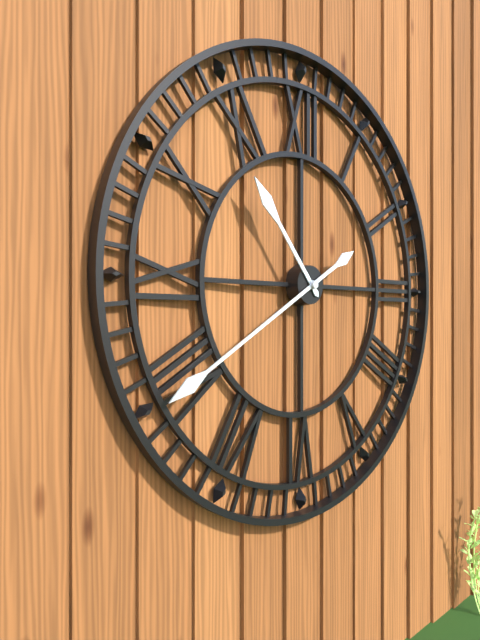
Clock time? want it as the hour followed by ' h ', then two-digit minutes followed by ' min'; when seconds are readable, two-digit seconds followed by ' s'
10 h 40 min
